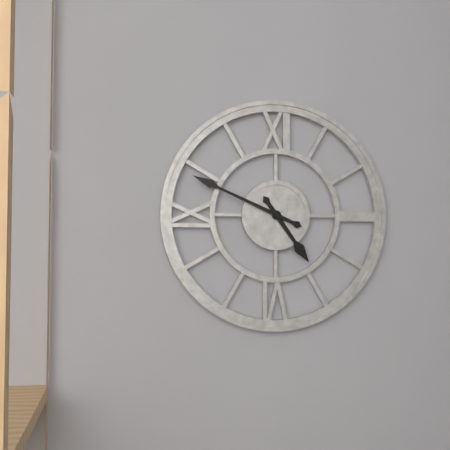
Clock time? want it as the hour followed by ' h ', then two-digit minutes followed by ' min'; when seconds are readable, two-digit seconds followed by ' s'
4 h 49 min
